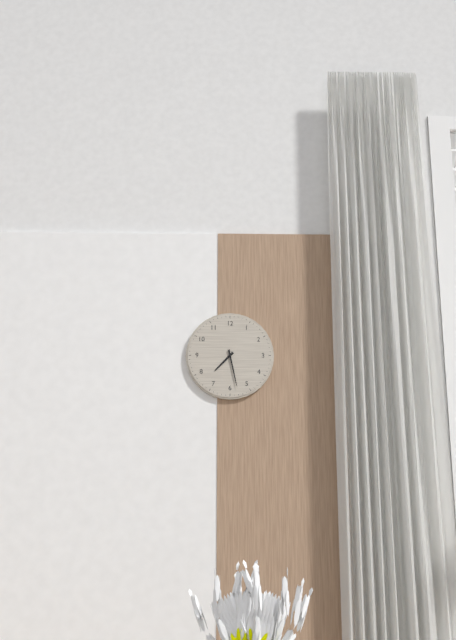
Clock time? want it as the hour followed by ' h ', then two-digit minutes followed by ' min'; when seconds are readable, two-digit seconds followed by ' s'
7 h 28 min
